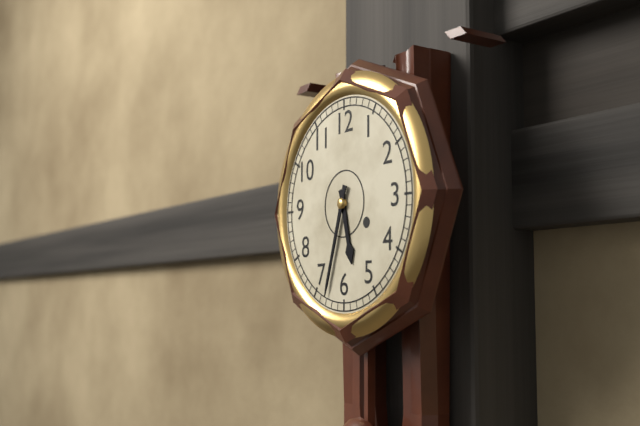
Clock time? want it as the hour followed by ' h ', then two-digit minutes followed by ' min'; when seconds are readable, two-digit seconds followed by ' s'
5 h 33 min
